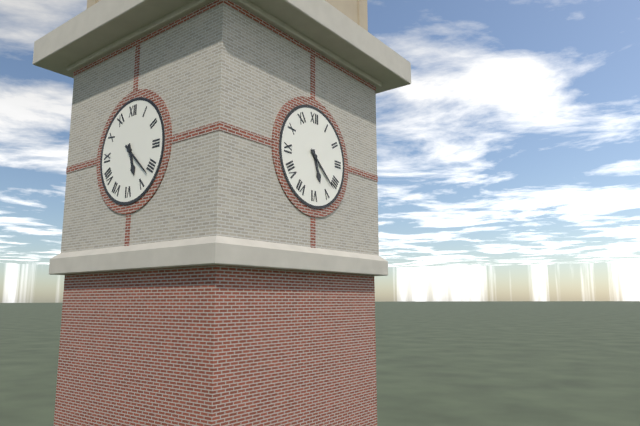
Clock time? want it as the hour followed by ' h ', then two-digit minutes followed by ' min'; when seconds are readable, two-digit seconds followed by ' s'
5 h 22 min
